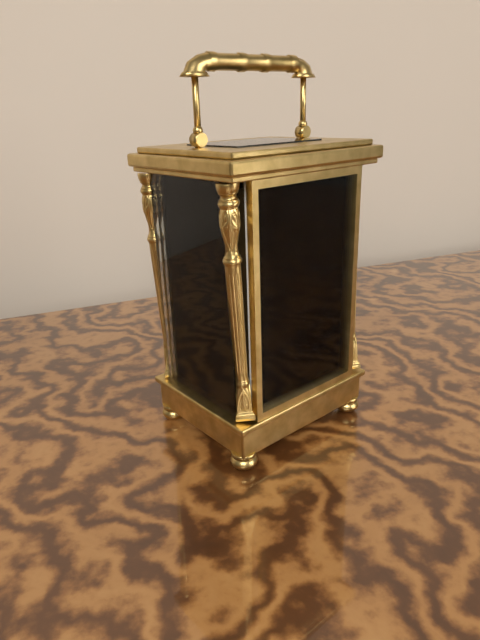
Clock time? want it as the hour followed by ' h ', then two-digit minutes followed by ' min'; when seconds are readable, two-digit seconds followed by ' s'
5 h 05 min
